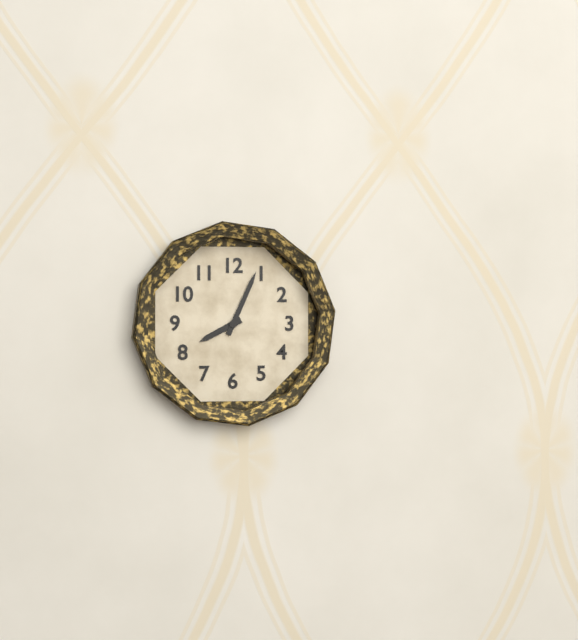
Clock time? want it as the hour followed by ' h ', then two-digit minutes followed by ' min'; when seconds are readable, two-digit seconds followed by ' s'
8 h 04 min
